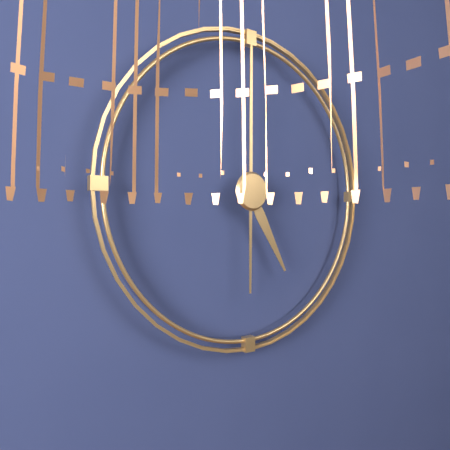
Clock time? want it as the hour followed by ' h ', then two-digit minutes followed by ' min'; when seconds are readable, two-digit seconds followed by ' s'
5 h 00 min
